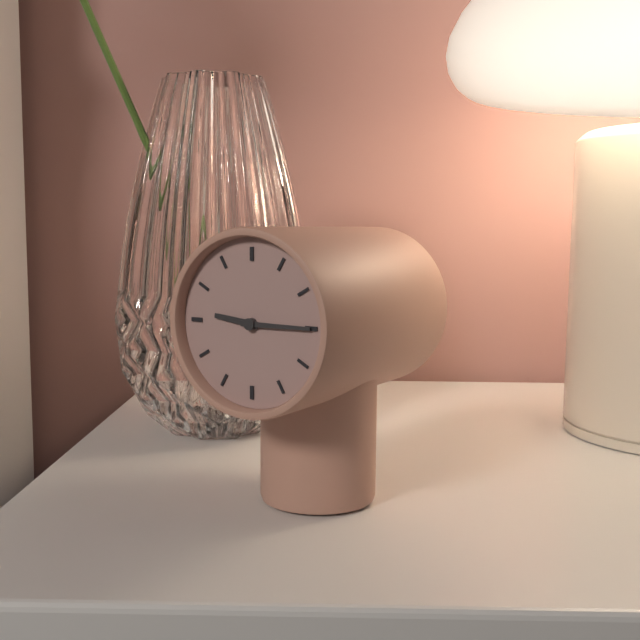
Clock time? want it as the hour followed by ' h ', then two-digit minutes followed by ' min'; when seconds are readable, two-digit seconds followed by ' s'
9 h 15 min
